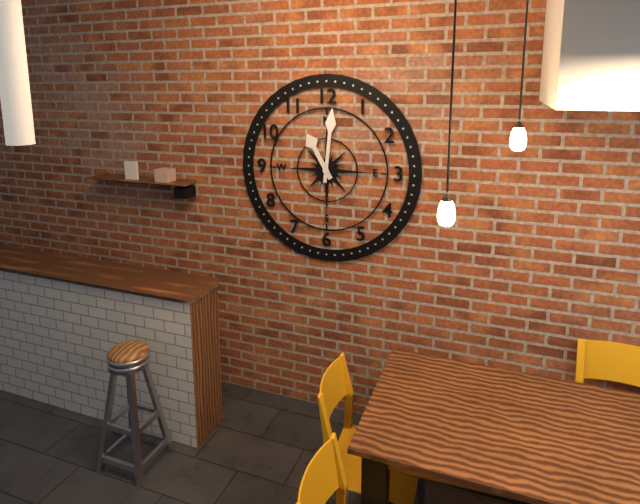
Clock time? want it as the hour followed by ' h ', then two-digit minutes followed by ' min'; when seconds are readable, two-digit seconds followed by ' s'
11 h 01 min
